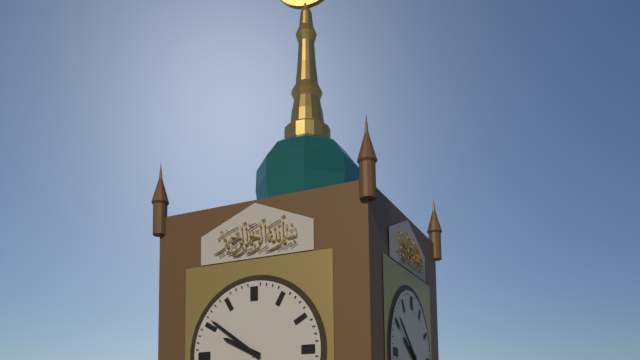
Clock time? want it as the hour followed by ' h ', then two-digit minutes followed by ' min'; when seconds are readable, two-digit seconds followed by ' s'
9 h 51 min
